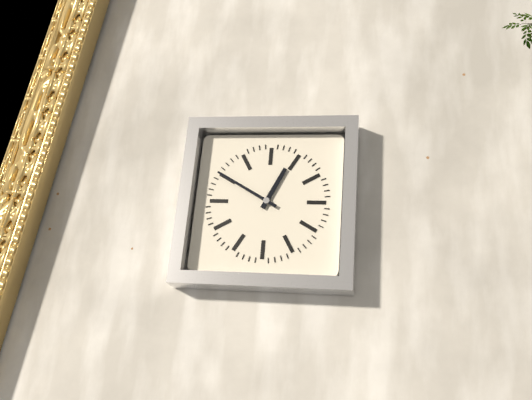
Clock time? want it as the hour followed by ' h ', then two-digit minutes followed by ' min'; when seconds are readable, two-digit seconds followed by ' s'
12 h 50 min
